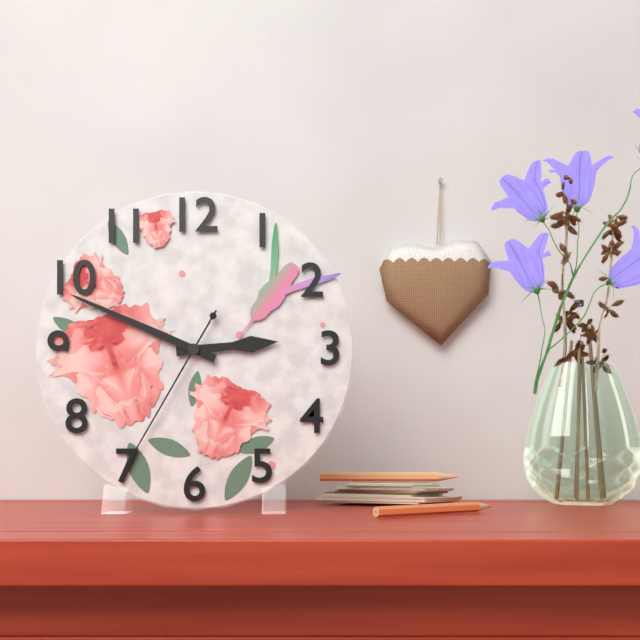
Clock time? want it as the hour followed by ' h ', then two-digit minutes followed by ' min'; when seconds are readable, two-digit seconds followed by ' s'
2 h 49 min 35 s
